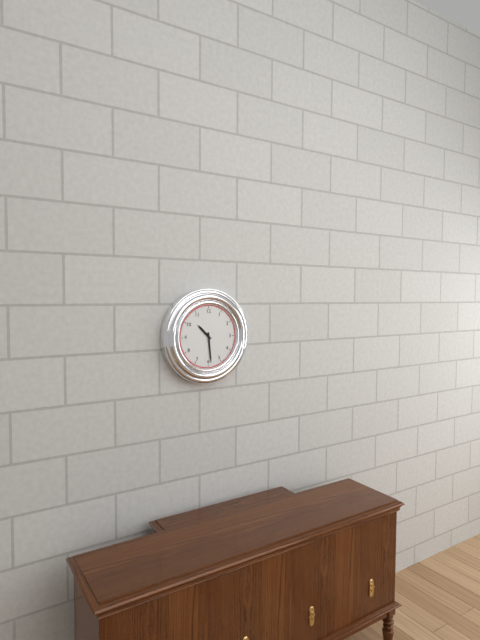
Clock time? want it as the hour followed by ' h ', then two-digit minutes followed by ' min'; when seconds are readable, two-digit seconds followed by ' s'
10 h 29 min
